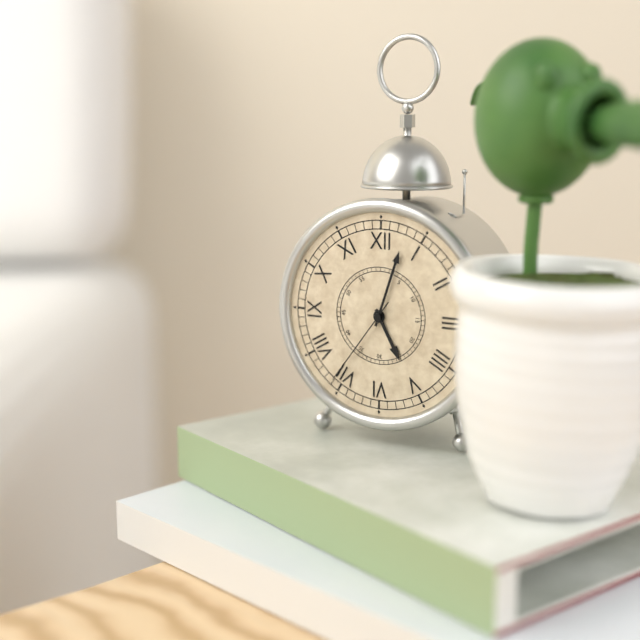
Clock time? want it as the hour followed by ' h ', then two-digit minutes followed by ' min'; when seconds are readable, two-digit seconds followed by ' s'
5 h 03 min 36 s
